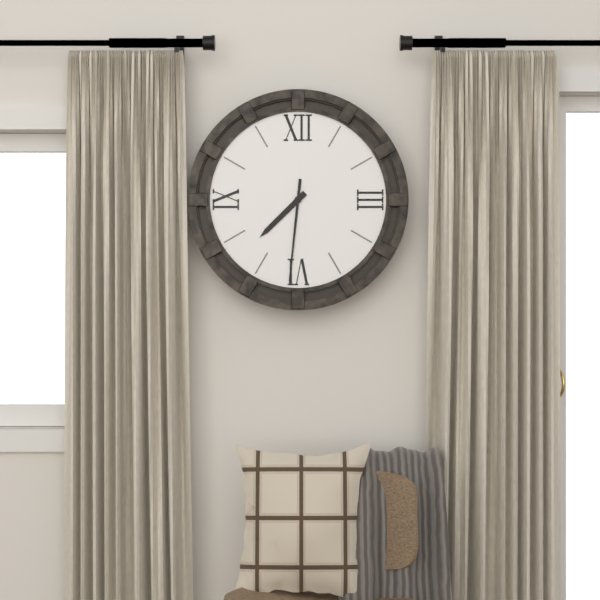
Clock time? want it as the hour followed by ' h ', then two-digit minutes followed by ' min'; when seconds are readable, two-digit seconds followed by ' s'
7 h 31 min
